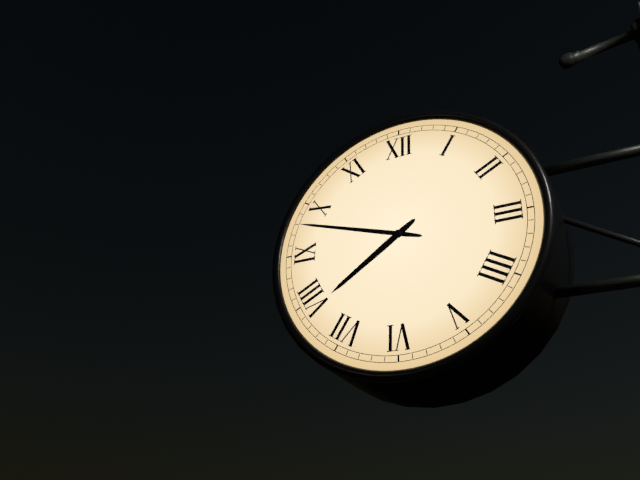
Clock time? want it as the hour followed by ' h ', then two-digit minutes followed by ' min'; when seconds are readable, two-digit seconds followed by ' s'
7 h 48 min
